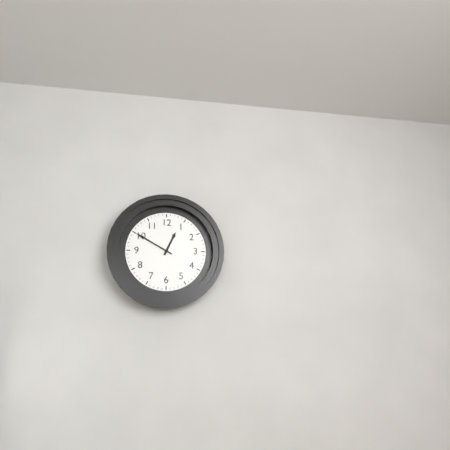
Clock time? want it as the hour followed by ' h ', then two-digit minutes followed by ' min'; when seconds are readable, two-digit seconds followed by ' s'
12 h 50 min
